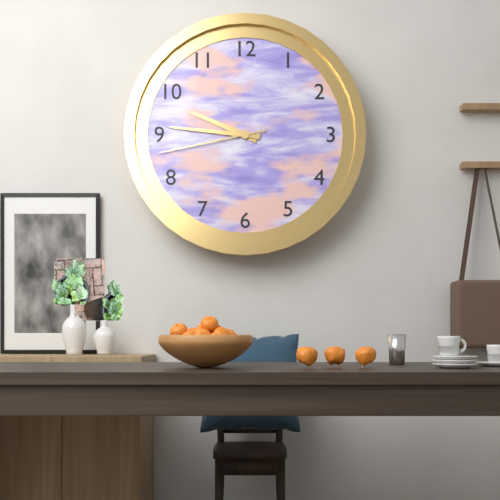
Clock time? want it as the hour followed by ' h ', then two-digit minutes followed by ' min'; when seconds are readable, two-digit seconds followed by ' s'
9 h 46 min 43 s
